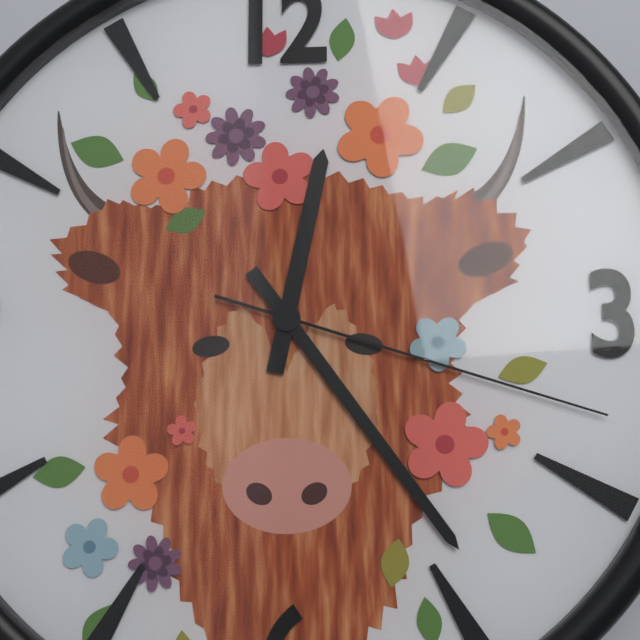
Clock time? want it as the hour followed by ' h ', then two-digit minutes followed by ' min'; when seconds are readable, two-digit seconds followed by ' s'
12 h 24 min 18 s
